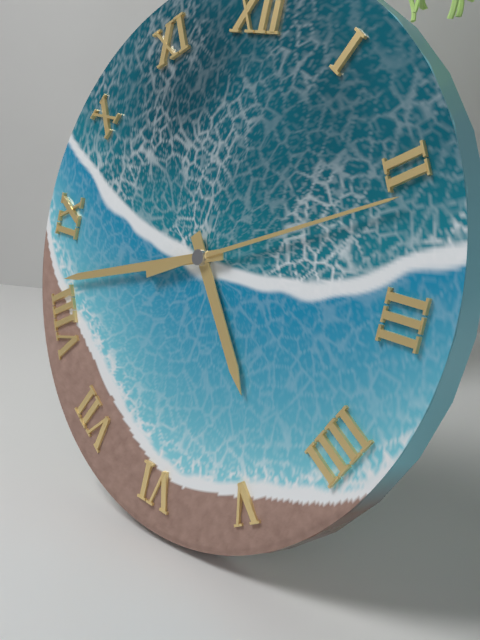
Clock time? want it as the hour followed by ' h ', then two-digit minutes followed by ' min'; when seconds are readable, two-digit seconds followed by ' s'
4 h 42 min 11 s
